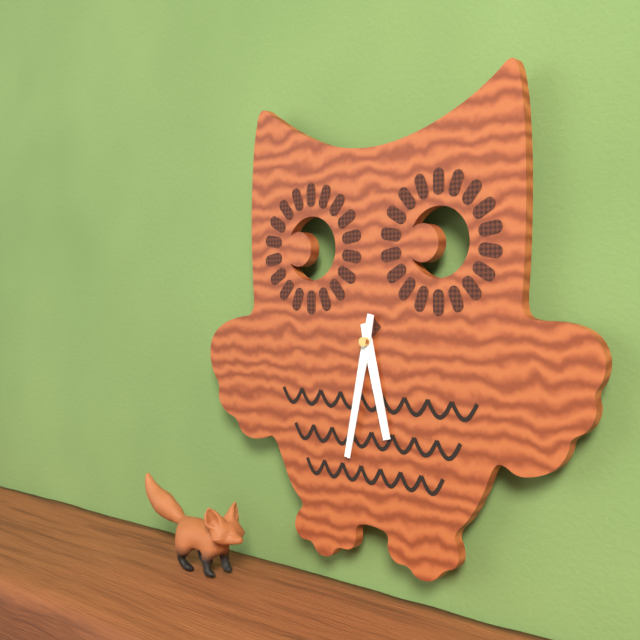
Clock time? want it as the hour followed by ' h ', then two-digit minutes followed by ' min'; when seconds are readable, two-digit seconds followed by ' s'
5 h 32 min
